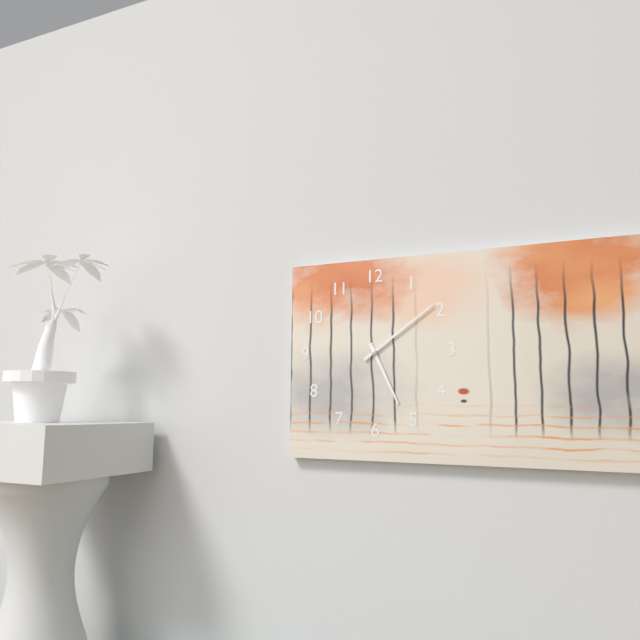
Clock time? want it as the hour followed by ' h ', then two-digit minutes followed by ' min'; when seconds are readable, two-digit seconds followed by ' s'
5 h 09 min
